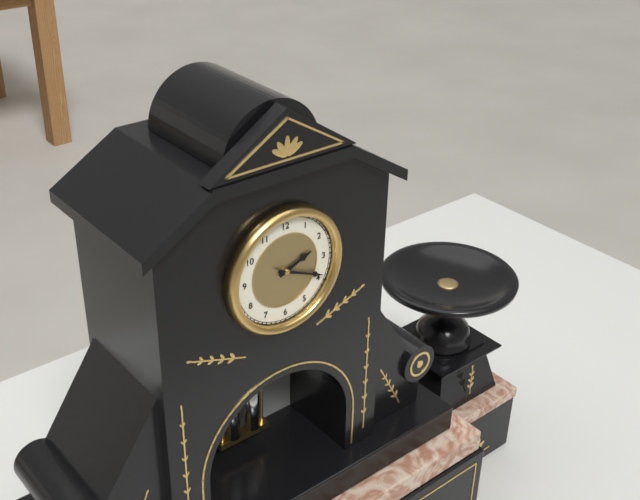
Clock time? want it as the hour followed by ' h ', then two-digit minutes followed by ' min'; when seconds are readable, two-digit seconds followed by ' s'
2 h 19 min
